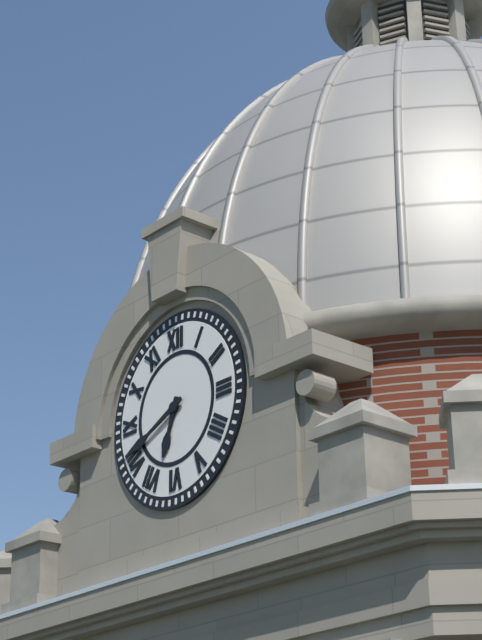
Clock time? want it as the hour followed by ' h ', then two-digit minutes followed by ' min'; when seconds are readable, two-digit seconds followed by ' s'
6 h 41 min
